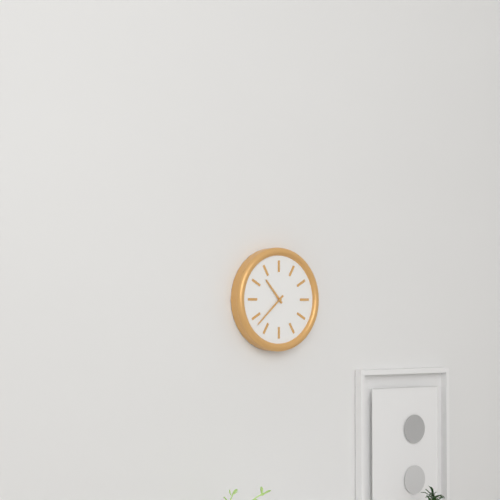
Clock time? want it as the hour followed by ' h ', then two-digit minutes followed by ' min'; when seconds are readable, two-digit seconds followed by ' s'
10 h 38 min
